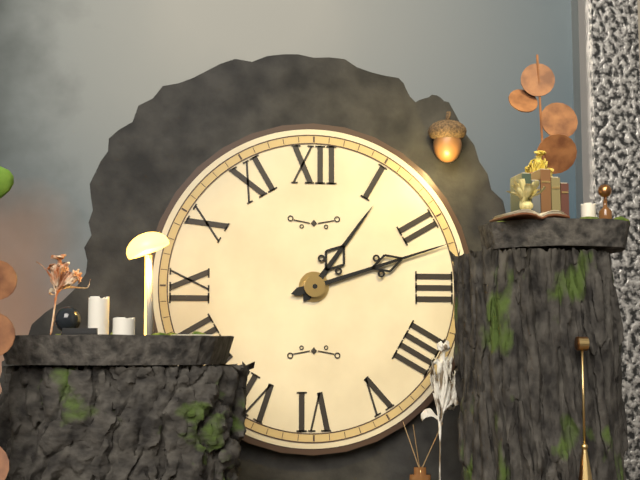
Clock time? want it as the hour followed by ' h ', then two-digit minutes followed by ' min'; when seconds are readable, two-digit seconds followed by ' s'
1 h 12 min
